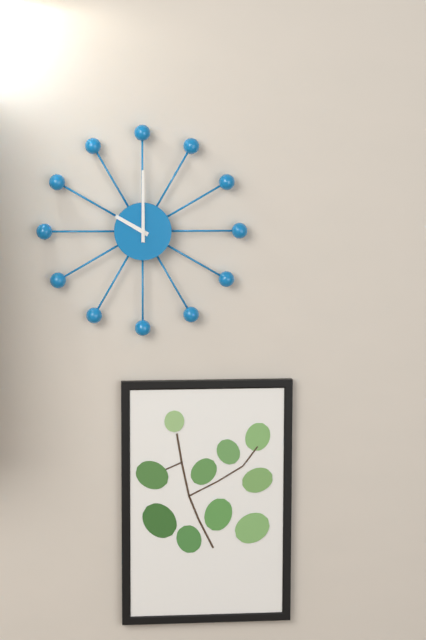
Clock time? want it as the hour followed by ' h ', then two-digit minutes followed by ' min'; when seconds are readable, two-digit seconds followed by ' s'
10 h 00 min
